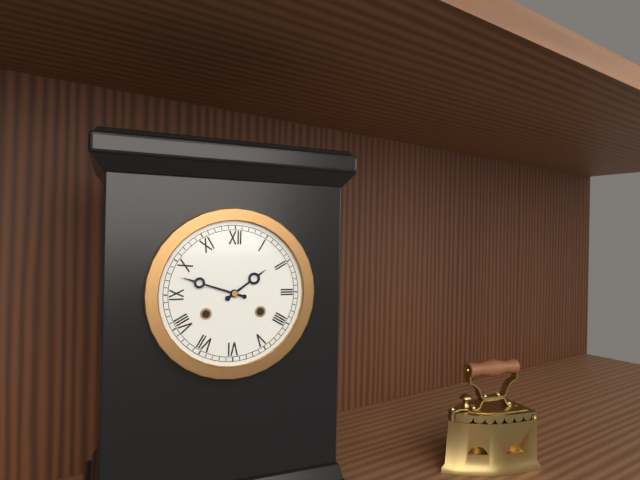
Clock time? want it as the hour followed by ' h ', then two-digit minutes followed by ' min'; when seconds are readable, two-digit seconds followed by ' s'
1 h 48 min
